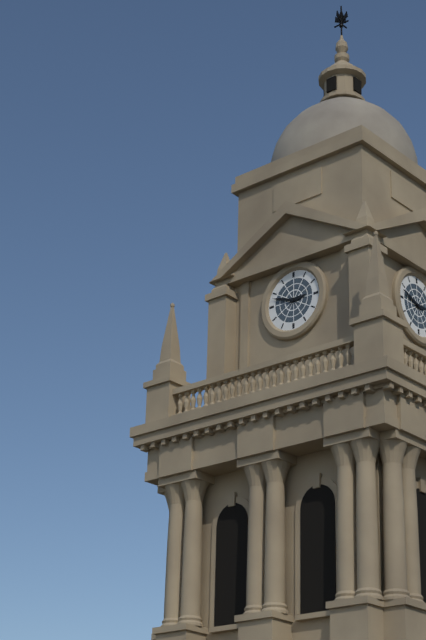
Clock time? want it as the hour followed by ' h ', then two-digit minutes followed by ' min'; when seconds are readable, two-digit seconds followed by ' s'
2 h 48 min
